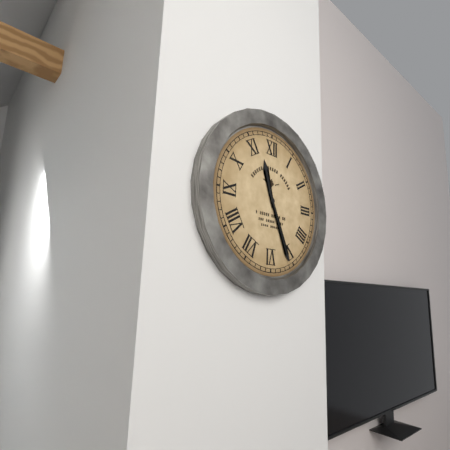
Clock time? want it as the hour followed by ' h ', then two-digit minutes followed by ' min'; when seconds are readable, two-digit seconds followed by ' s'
11 h 26 min
